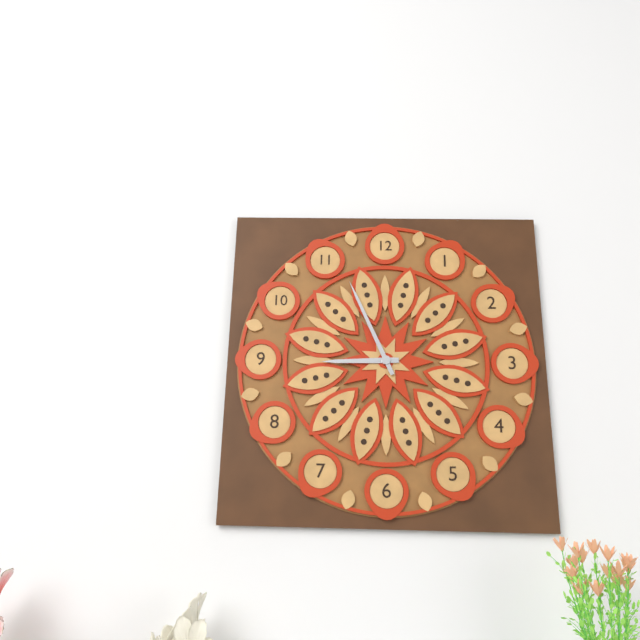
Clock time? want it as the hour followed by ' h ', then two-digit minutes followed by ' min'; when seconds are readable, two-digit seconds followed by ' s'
8 h 56 min
